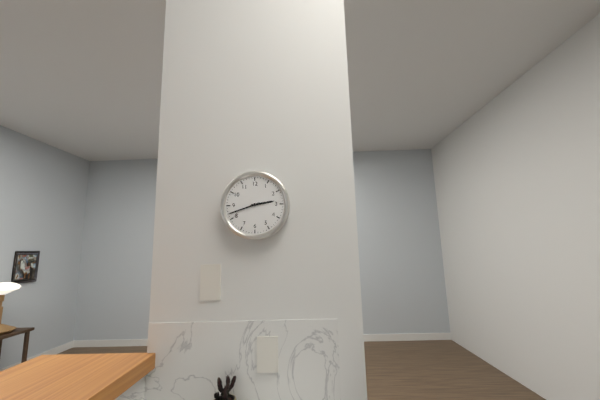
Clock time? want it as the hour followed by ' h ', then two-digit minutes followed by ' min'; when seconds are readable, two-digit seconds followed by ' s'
2 h 42 min
